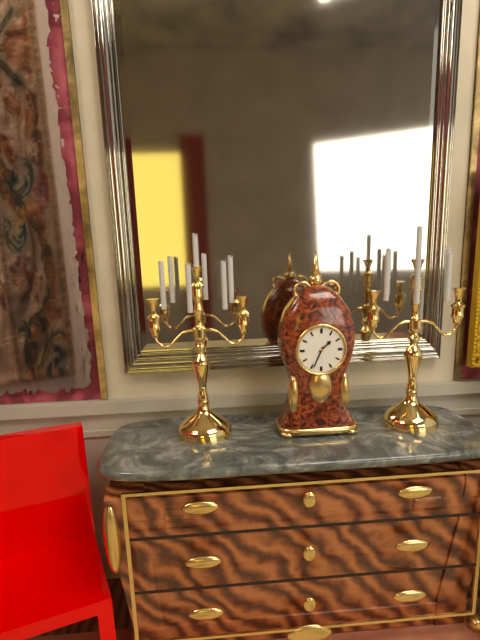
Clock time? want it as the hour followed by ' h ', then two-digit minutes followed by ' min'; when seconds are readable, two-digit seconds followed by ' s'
1 h 34 min
